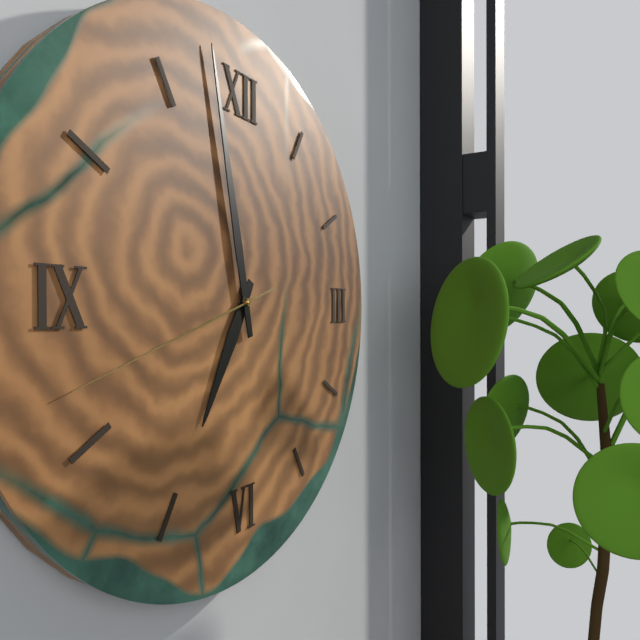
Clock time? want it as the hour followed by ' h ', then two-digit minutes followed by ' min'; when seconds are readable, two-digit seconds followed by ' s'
6 h 58 min 42 s
